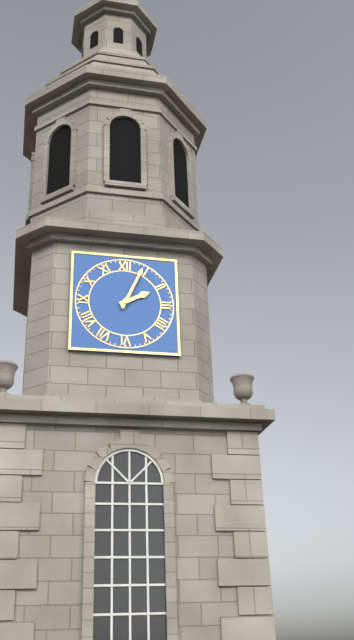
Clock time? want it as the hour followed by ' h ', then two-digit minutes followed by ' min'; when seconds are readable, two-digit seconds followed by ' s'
2 h 04 min
